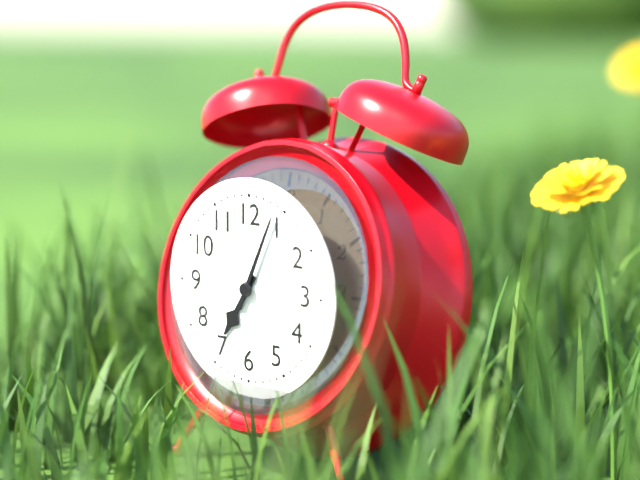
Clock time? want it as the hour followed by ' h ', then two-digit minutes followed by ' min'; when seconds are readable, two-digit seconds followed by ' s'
7 h 04 min
